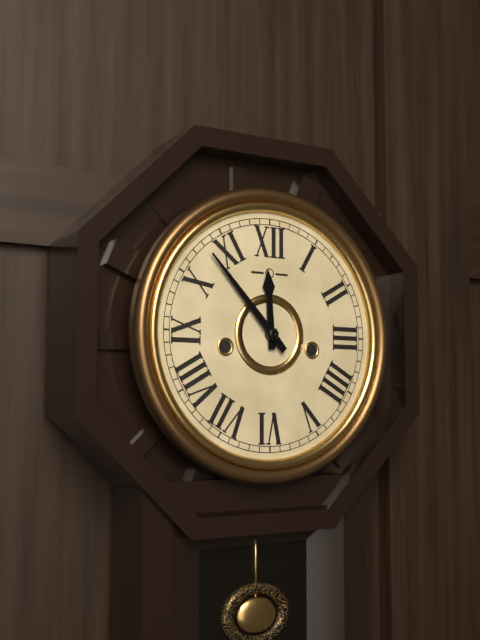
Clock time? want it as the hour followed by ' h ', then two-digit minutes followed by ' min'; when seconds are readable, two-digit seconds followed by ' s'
11 h 53 min
